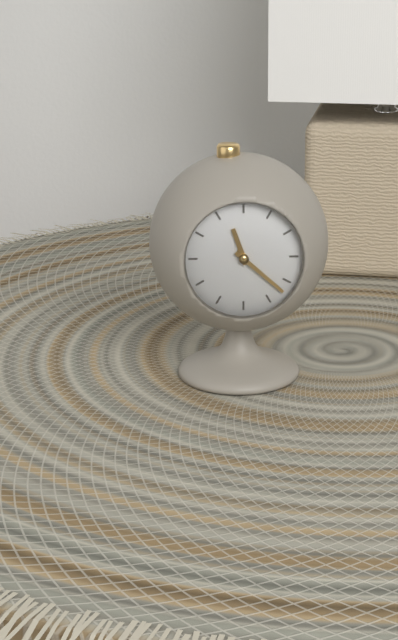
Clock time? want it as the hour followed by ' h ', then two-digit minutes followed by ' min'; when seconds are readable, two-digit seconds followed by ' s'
11 h 22 min
